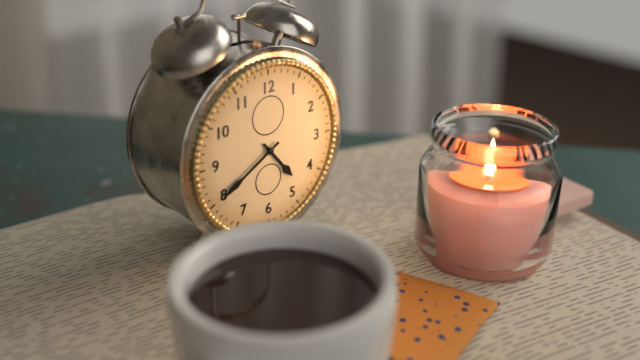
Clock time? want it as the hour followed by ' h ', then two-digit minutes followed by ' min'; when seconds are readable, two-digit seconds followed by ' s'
4 h 40 min
